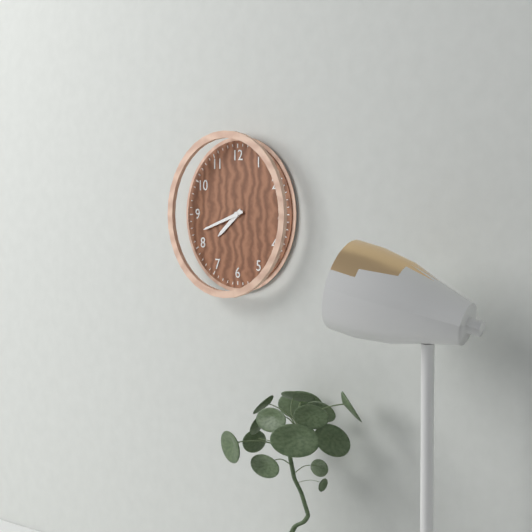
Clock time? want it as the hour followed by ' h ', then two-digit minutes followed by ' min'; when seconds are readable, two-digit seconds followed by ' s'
7 h 42 min
